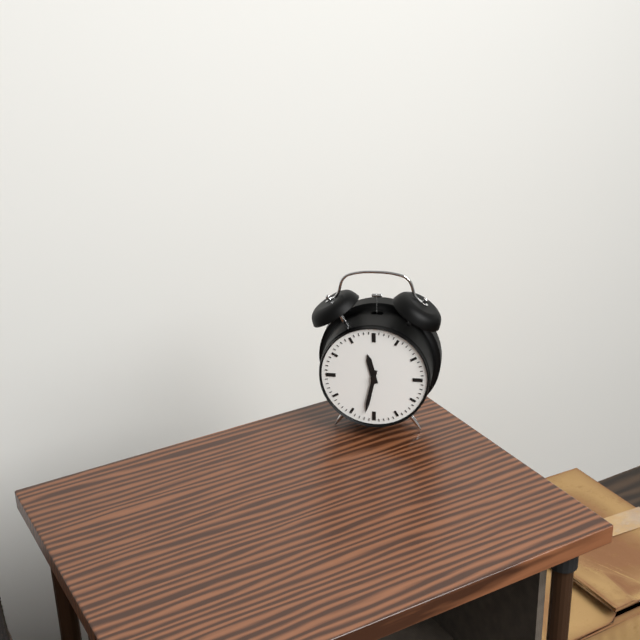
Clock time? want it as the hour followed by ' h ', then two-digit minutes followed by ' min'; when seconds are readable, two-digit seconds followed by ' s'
11 h 32 min
